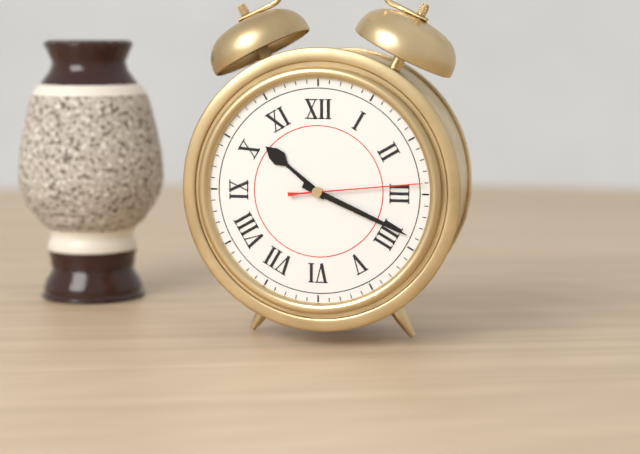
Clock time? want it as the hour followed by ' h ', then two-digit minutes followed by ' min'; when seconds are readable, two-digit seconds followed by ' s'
10 h 19 min 14 s
